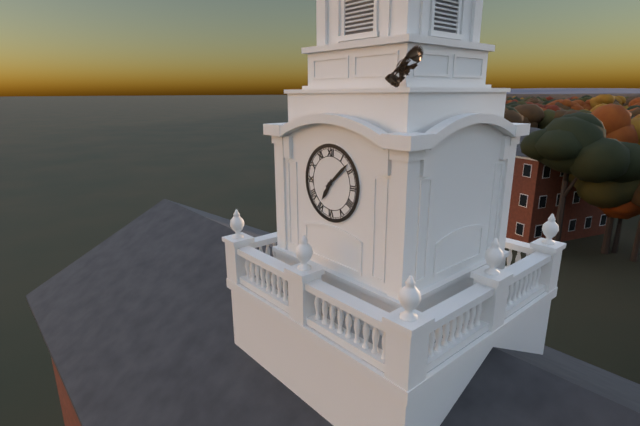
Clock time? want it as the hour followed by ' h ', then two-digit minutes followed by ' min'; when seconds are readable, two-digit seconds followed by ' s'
7 h 08 min
